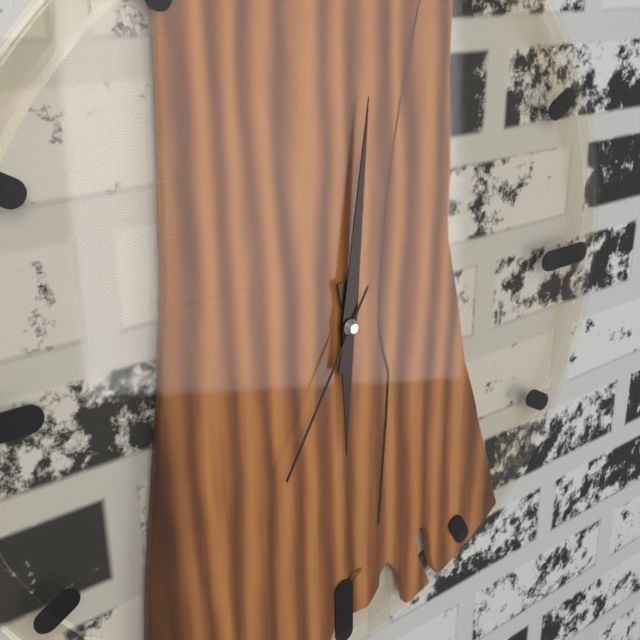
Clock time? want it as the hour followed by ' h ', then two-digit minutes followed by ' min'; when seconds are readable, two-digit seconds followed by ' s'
6 h 01 min 35 s
